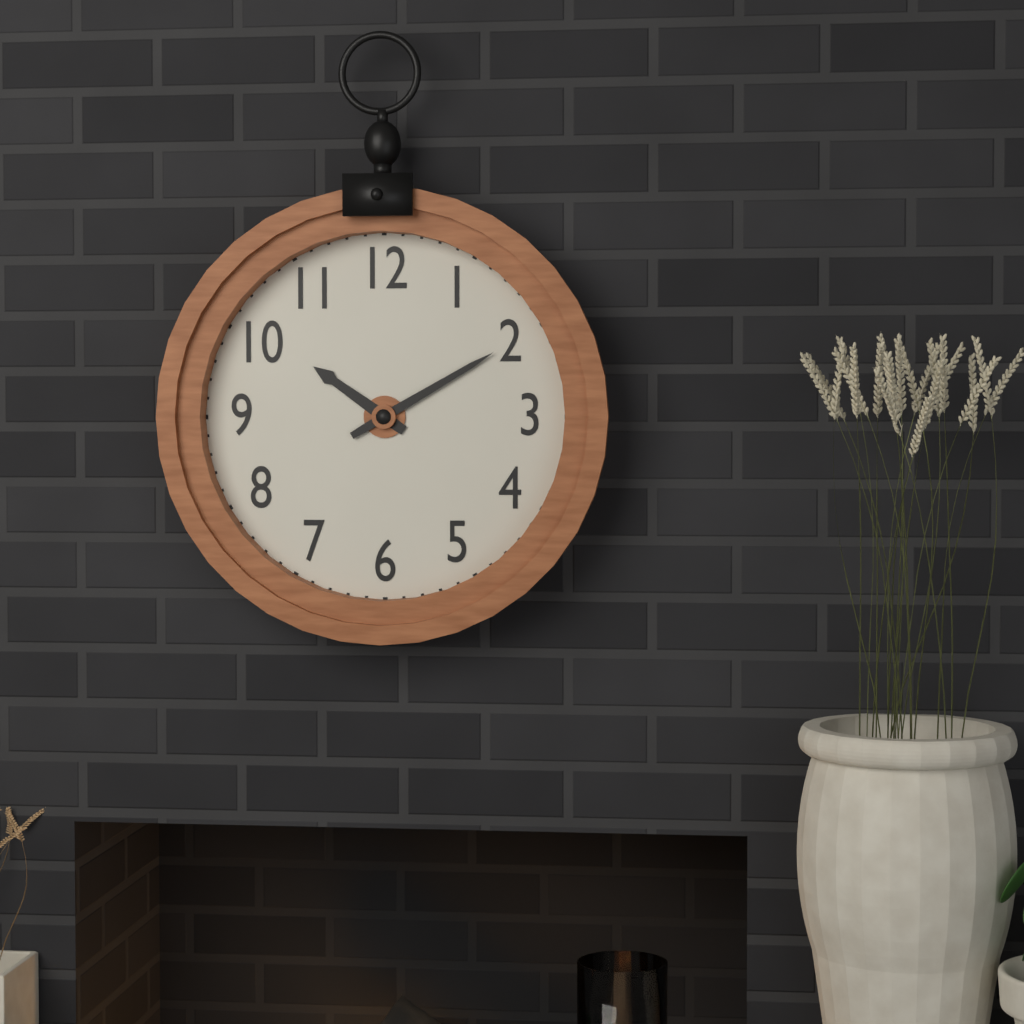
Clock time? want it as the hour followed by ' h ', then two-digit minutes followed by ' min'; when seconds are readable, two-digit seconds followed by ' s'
10 h 10 min
